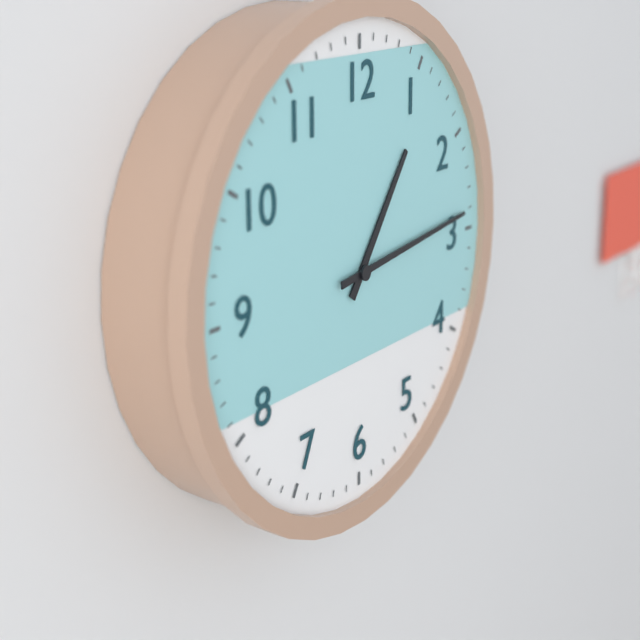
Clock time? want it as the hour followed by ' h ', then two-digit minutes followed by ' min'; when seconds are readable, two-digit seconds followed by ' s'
1 h 14 min
